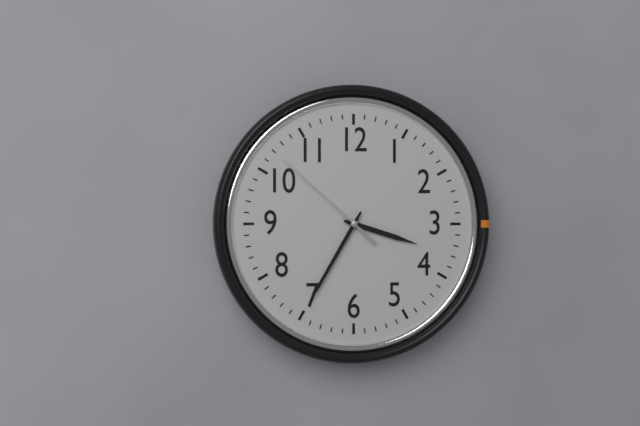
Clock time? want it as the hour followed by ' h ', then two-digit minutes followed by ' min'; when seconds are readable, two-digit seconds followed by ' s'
3 h 35 min 52 s
